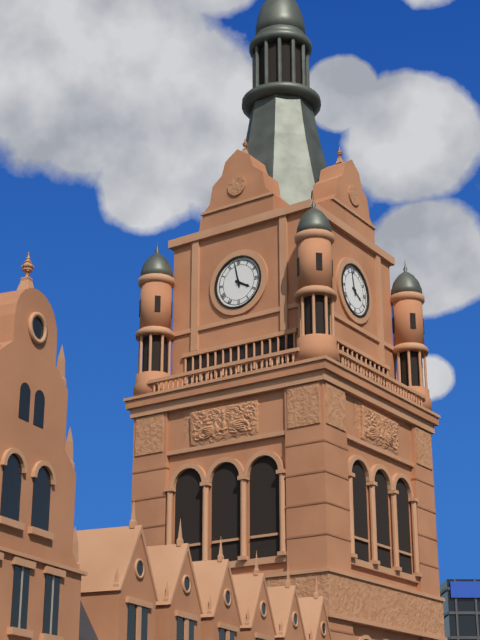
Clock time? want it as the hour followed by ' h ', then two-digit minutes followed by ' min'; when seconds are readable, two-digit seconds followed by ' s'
3 h 58 min
